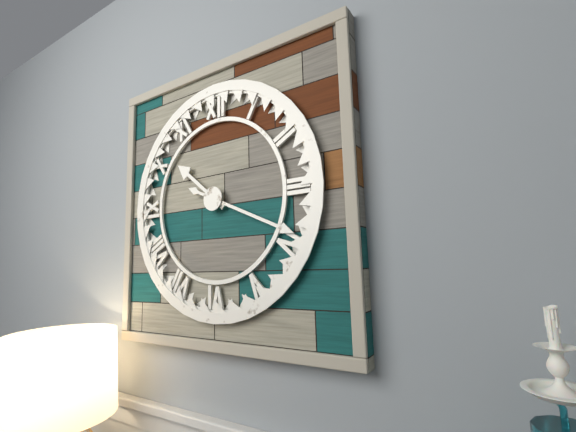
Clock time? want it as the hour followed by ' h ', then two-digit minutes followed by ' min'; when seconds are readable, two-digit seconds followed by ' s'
10 h 19 min
